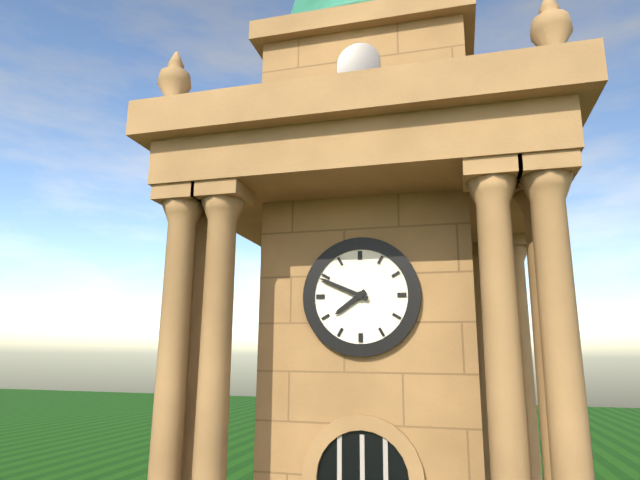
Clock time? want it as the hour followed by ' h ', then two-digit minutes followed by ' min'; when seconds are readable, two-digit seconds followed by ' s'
7 h 49 min
